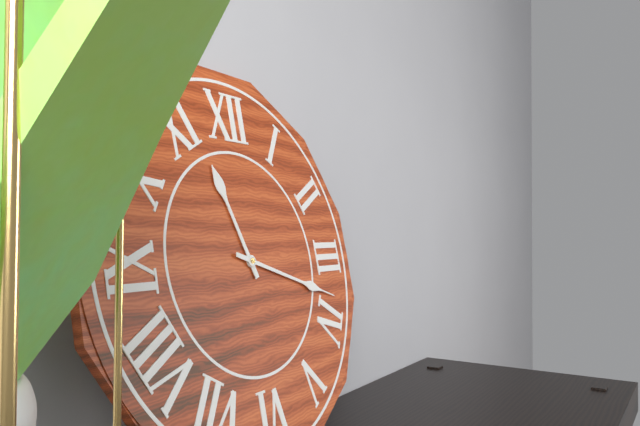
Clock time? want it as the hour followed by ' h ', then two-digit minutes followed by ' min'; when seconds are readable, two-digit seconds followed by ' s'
11 h 18 min
